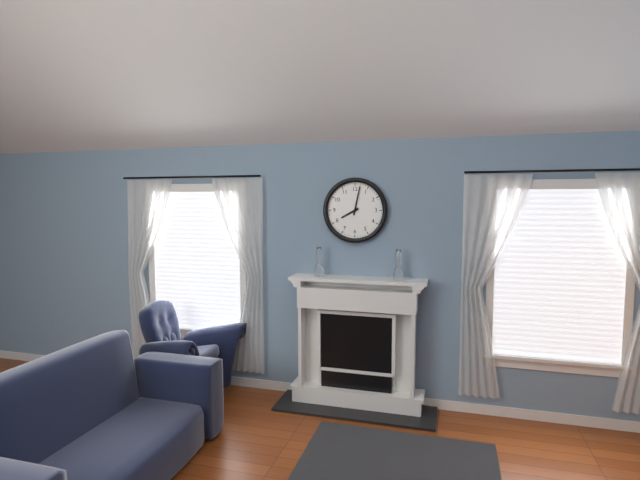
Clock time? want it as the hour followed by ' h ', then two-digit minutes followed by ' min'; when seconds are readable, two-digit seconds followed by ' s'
8 h 02 min
